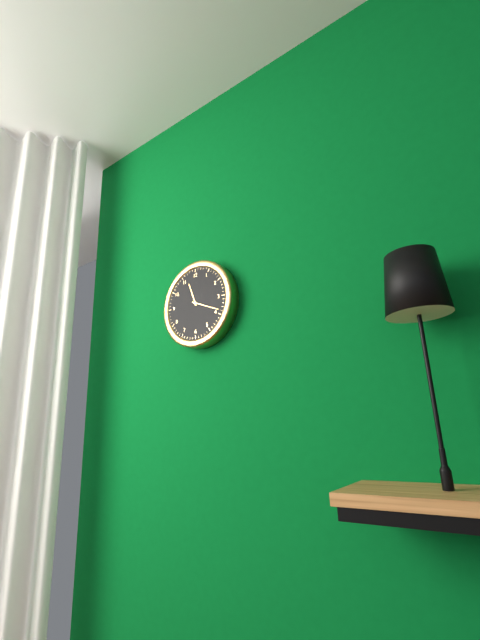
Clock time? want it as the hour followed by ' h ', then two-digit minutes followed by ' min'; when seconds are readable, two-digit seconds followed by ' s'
11 h 19 min
